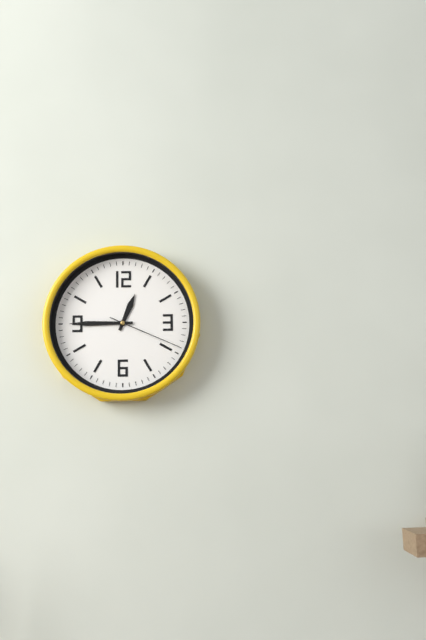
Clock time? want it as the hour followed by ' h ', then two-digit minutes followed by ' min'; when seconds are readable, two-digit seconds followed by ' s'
12 h 45 min 19 s
